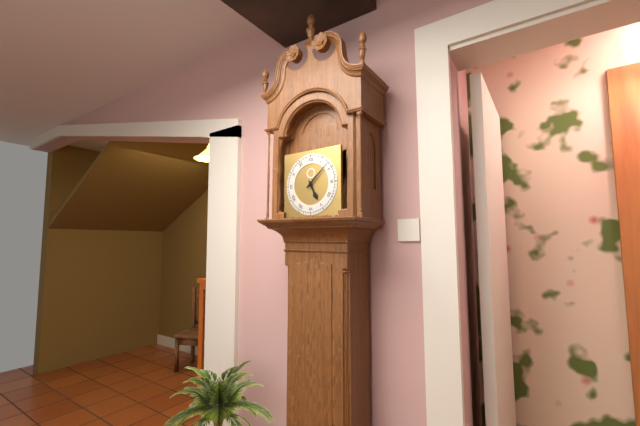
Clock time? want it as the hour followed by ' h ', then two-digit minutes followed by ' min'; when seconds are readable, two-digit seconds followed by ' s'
5 h 08 min
